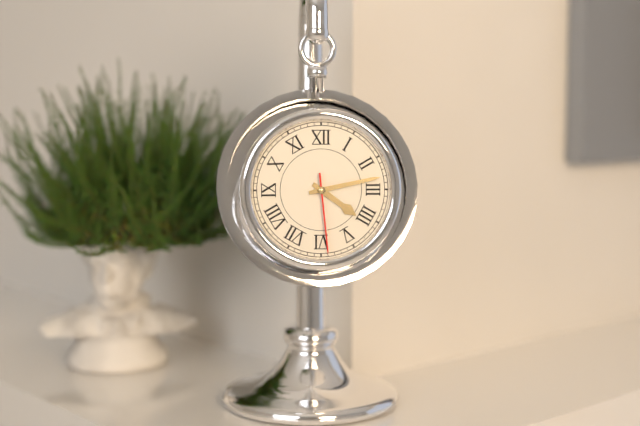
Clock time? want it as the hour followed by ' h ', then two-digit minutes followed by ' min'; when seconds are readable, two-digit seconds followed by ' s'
4 h 13 min 29 s
